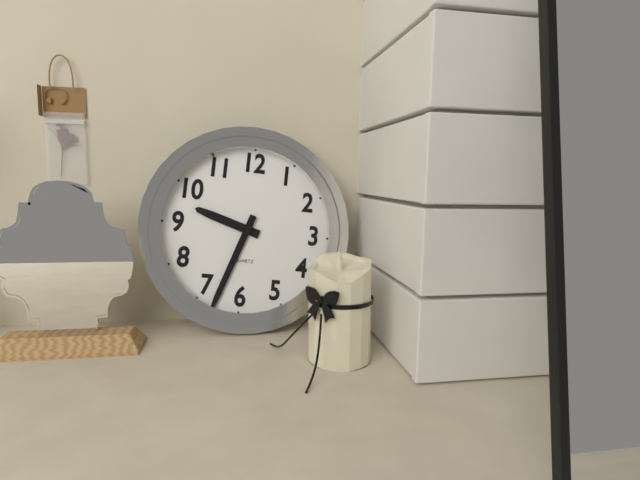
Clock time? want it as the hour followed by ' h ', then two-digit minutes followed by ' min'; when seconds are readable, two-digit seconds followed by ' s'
9 h 33 min
